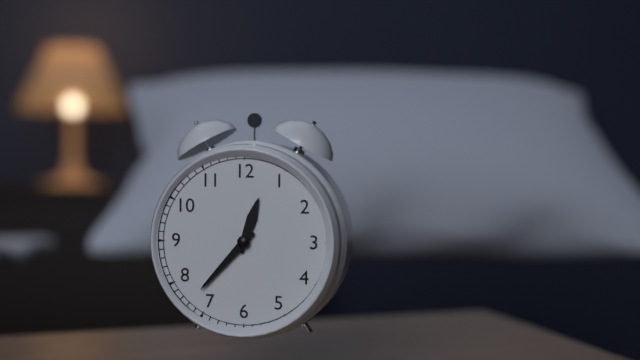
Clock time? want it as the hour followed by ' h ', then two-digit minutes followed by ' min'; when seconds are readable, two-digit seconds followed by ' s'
12 h 37 min
